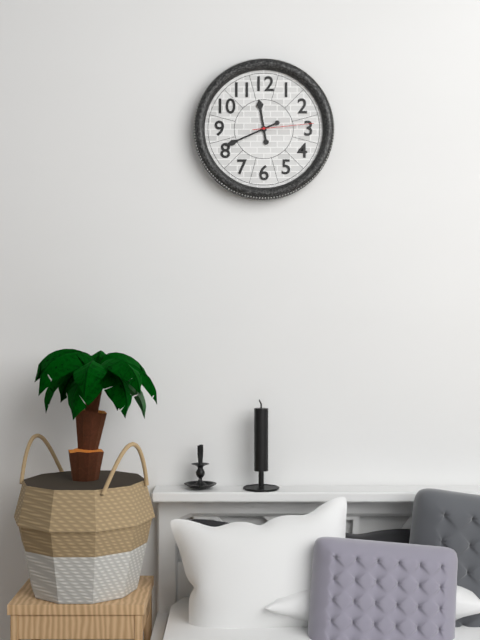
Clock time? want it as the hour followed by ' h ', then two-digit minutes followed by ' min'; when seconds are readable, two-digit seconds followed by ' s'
11 h 41 min 14 s
